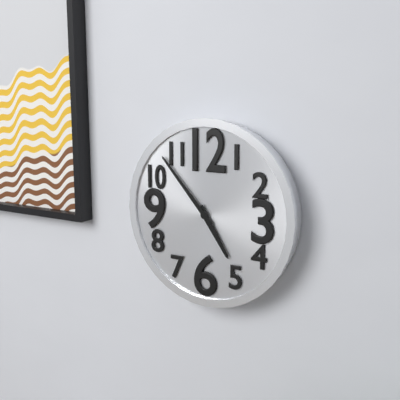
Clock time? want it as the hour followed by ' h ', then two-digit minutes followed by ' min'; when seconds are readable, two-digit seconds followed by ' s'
4 h 53 min
